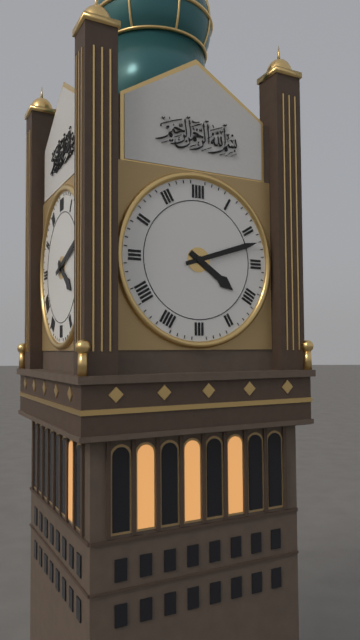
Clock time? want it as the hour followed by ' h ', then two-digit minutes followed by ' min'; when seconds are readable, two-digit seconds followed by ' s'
4 h 12 min
